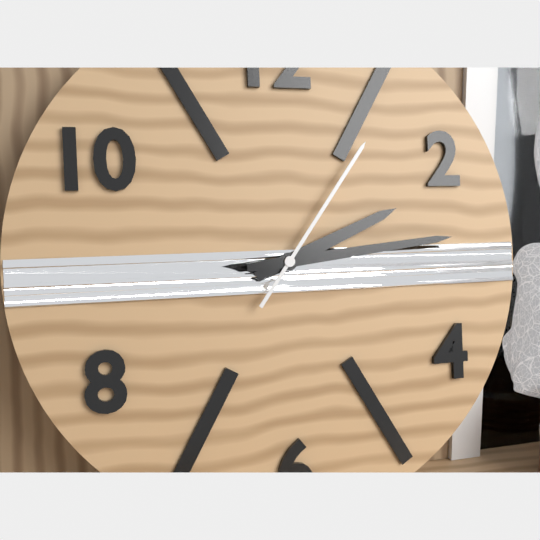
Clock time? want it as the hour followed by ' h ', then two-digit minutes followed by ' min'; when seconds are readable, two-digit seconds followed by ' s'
2 h 14 min 06 s
